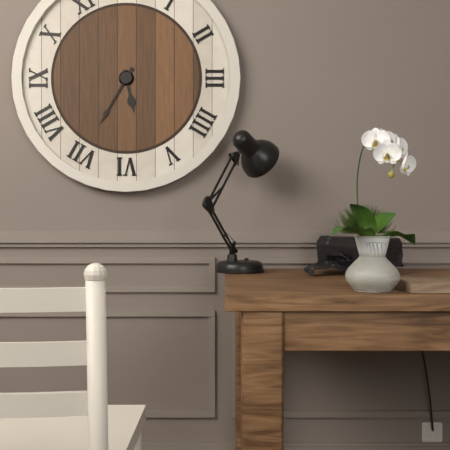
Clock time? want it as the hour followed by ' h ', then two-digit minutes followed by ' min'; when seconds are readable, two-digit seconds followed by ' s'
5 h 35 min
